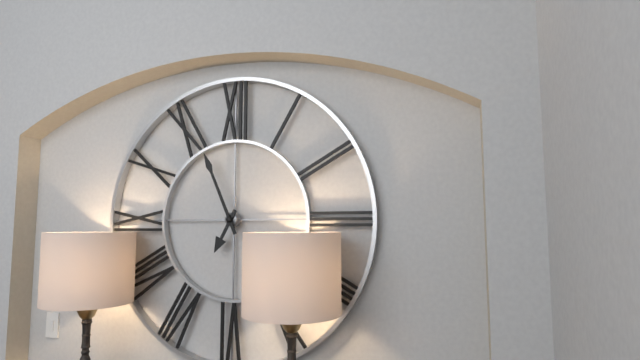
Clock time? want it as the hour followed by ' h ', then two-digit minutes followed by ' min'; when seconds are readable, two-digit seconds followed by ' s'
6 h 56 min
